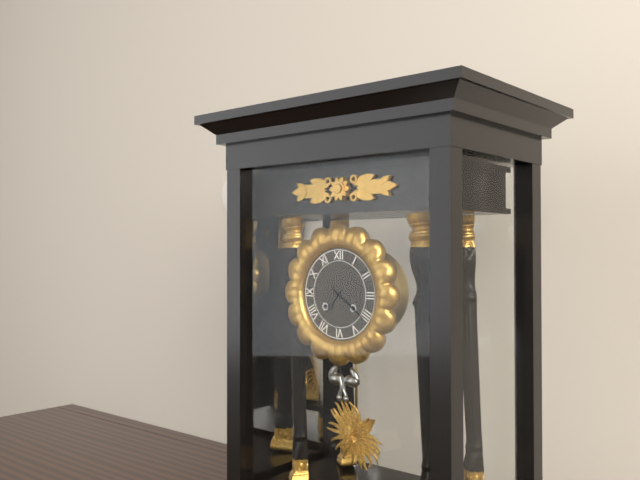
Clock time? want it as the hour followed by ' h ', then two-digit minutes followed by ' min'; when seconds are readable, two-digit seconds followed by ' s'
7 h 21 min
